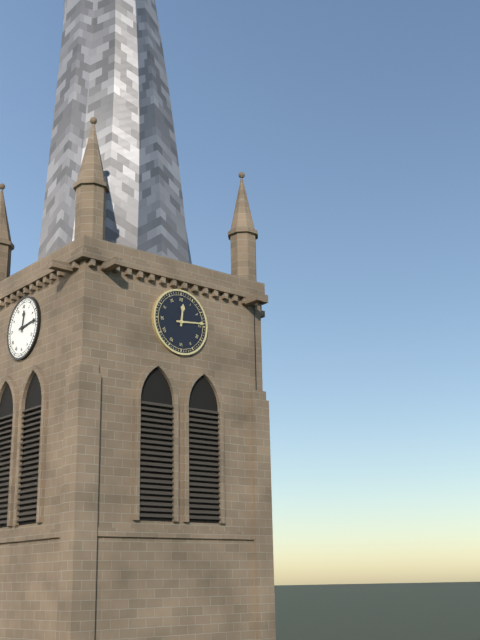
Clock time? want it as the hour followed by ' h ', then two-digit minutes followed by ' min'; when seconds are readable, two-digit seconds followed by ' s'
12 h 14 min
